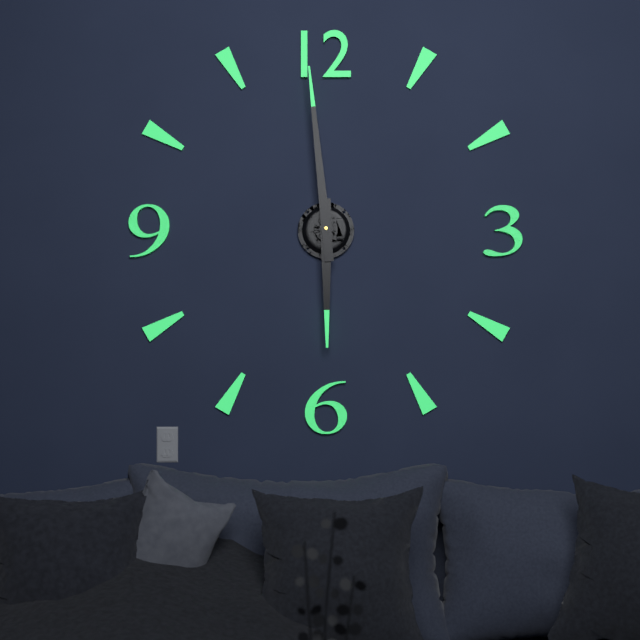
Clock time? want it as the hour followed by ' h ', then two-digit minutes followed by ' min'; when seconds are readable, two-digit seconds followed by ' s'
5 h 59 min
